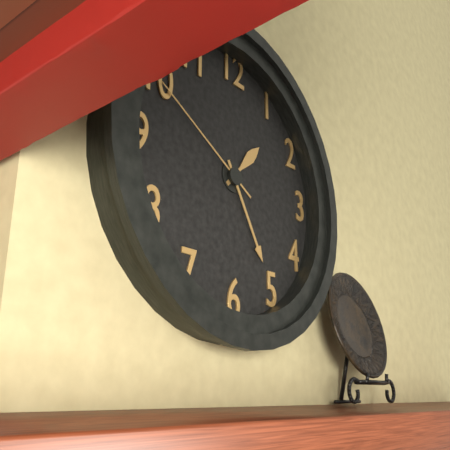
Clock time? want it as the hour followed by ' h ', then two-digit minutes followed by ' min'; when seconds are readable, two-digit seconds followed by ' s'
1 h 25 min 50 s
